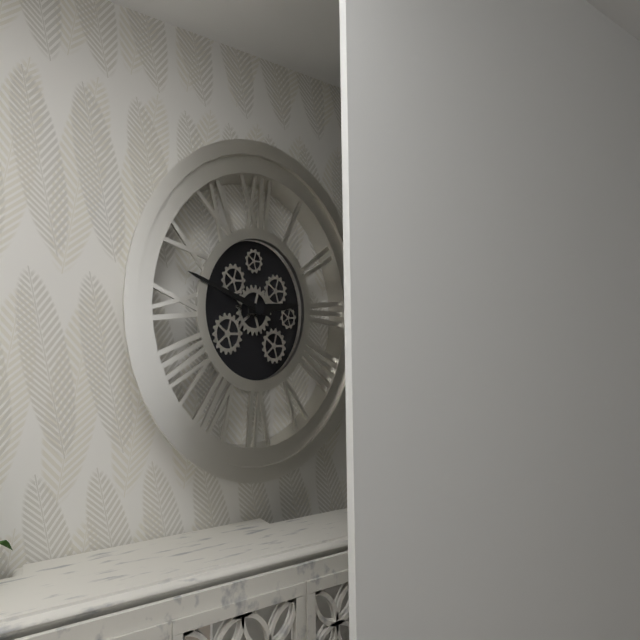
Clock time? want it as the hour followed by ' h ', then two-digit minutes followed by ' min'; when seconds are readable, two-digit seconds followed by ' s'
2 h 48 min
